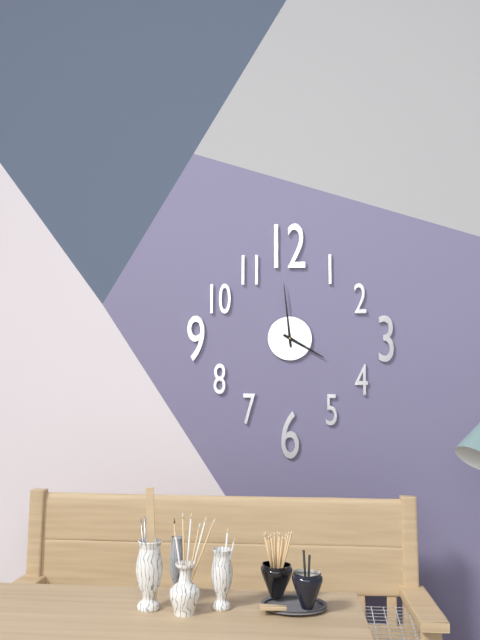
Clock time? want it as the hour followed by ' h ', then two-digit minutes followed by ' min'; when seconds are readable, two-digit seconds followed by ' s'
3 h 59 min
